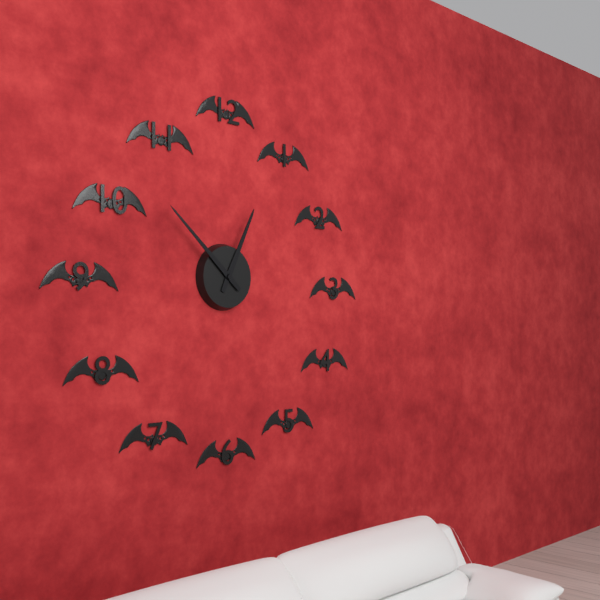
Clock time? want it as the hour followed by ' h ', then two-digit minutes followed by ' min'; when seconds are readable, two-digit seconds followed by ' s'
12 h 52 min
